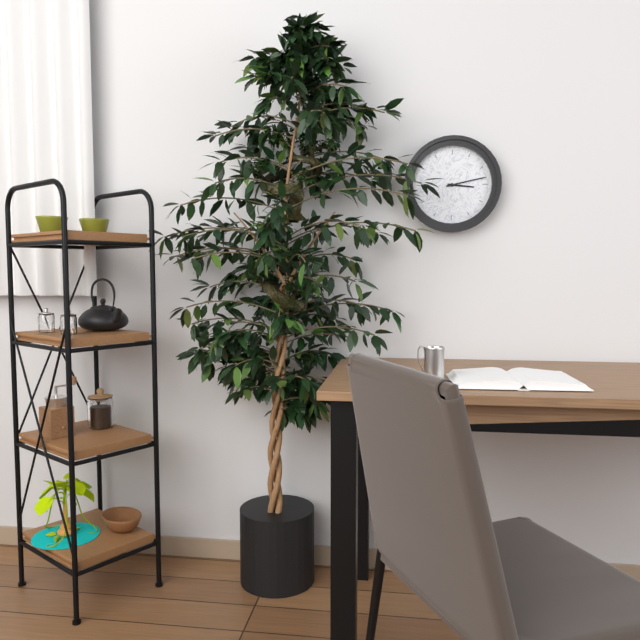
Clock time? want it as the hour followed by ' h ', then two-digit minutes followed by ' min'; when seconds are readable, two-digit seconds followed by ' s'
3 h 13 min
